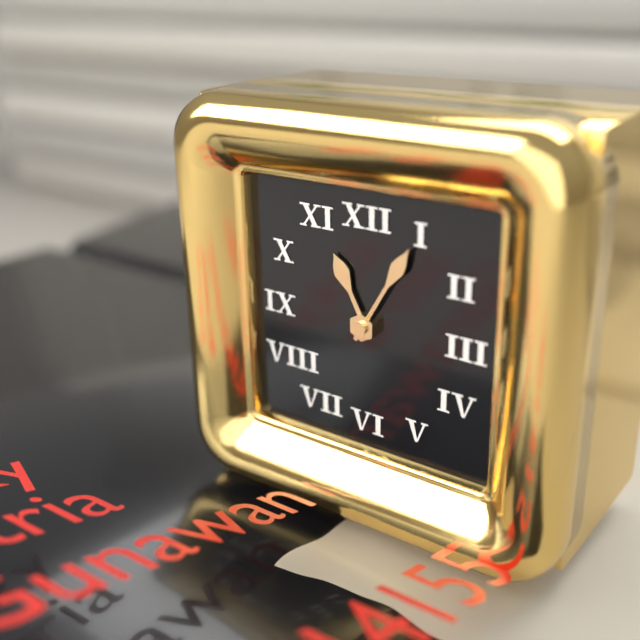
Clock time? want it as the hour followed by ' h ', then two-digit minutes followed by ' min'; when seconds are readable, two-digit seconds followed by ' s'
11 h 05 min
